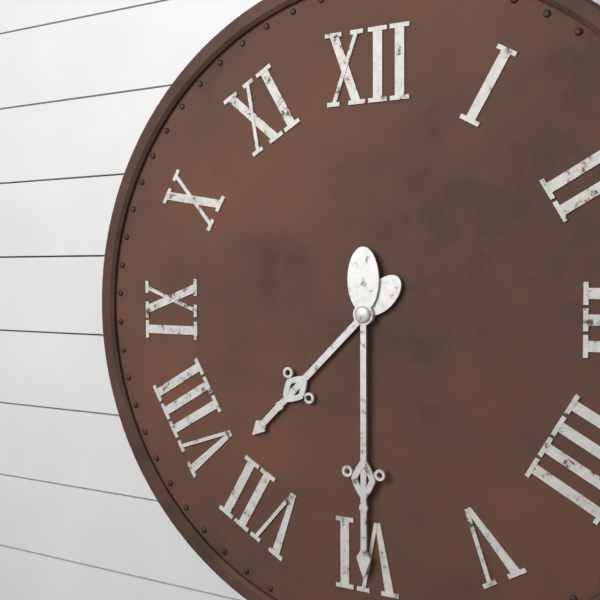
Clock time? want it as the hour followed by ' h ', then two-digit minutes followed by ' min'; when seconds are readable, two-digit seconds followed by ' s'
7 h 30 min
